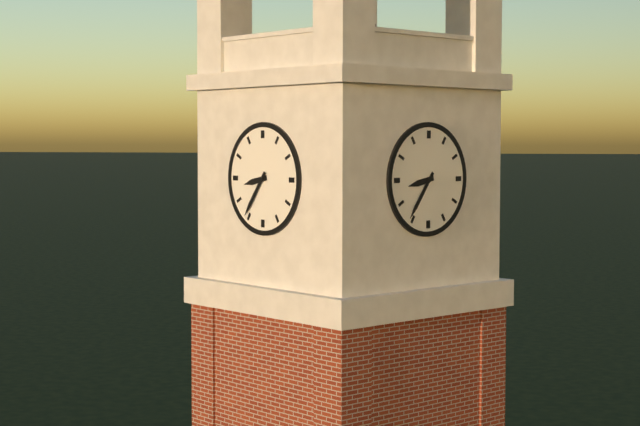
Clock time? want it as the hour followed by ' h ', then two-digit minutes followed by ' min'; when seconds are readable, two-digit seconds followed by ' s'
8 h 36 min
